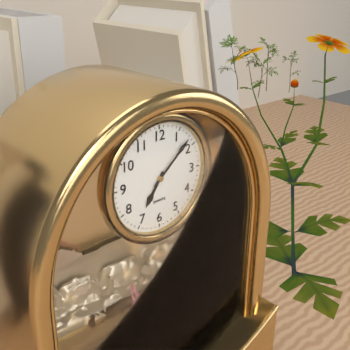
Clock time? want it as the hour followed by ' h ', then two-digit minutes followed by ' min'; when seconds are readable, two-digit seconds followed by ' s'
7 h 08 min
